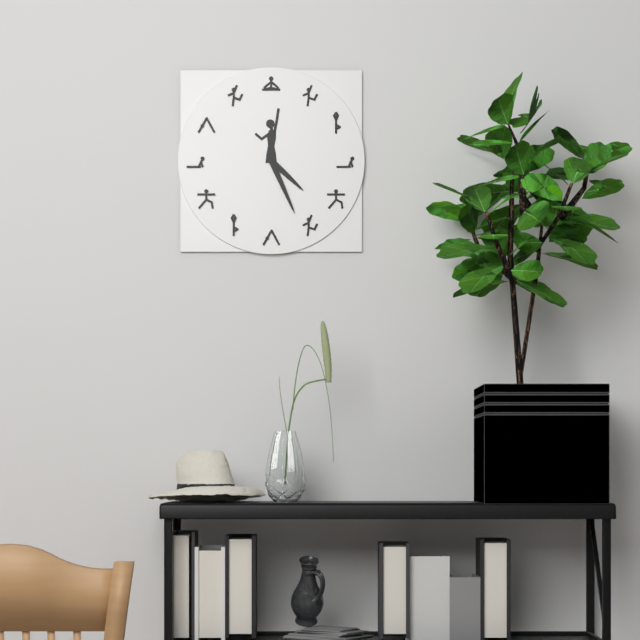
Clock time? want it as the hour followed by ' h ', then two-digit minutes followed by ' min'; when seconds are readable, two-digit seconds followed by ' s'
4 h 26 min
